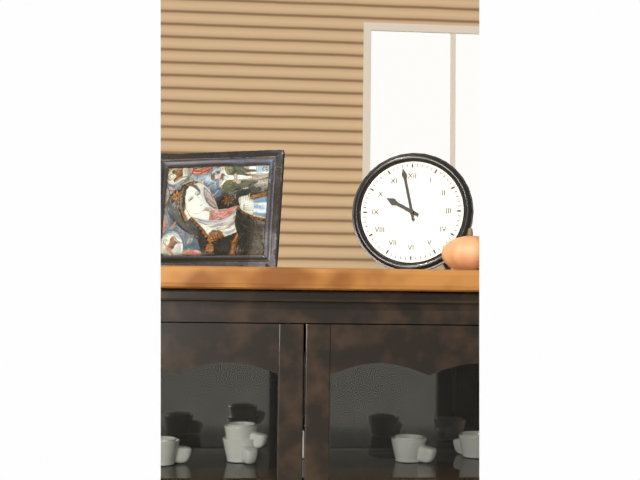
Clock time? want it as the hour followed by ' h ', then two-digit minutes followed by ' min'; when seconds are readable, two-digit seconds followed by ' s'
9 h 58 min
